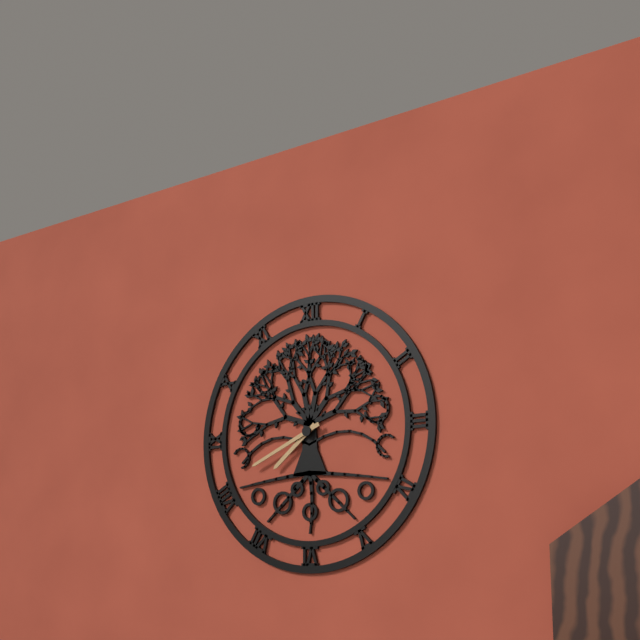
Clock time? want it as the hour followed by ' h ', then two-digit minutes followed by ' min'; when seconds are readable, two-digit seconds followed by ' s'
7 h 41 min
